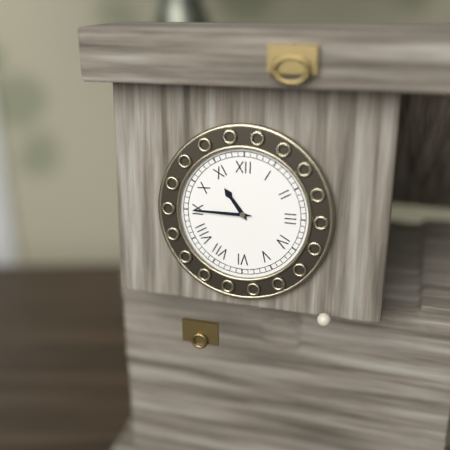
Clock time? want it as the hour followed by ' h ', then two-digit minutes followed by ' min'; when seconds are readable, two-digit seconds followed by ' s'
10 h 45 min
